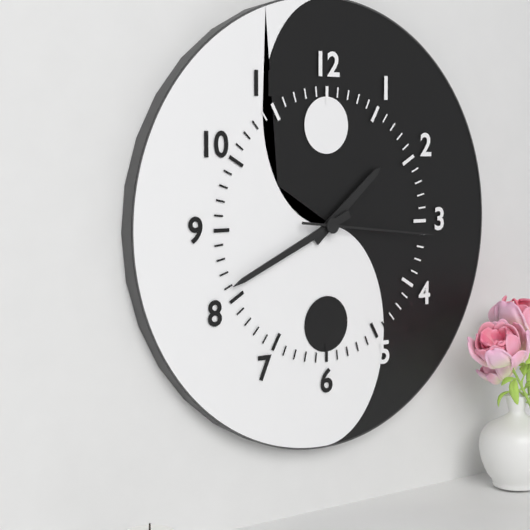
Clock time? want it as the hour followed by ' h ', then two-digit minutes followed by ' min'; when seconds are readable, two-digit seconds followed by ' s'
1 h 41 min 16 s
